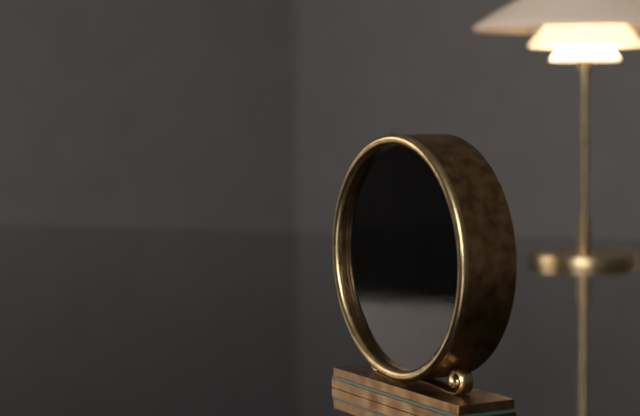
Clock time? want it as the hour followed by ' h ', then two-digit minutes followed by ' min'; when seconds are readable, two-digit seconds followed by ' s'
2 h 37 min
